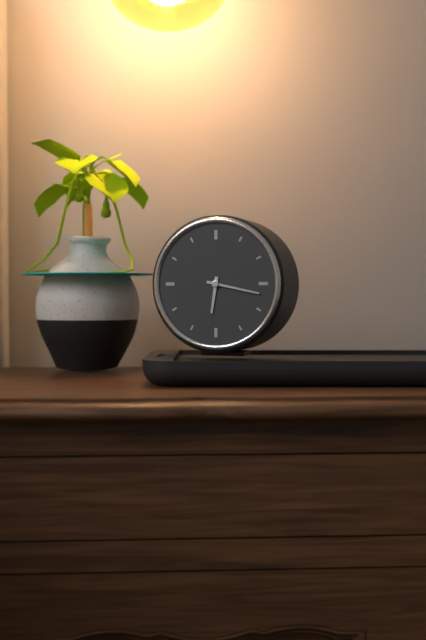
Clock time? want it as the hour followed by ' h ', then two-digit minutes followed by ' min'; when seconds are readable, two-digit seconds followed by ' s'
6 h 17 min
